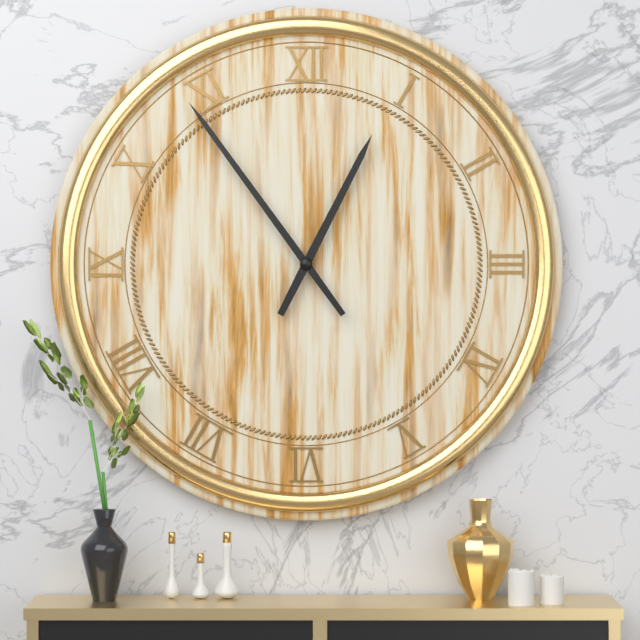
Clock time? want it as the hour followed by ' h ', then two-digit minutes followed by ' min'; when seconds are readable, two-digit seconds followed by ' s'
12 h 54 min
